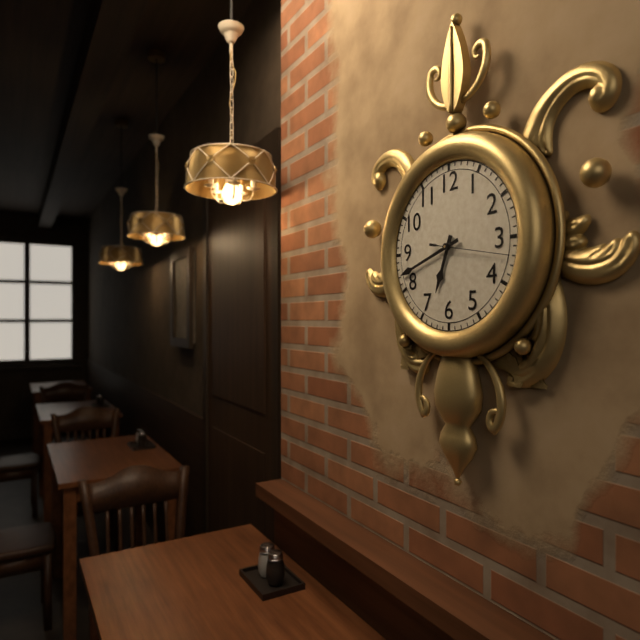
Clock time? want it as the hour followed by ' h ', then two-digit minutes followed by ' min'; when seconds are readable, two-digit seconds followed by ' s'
6 h 42 min 17 s
